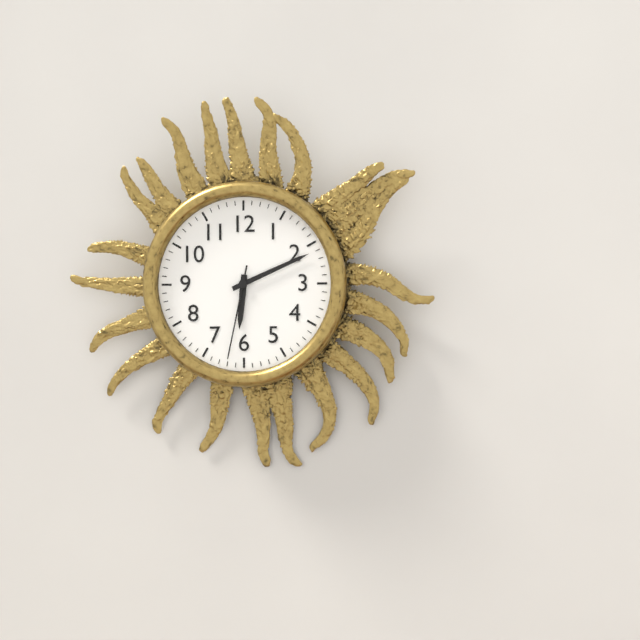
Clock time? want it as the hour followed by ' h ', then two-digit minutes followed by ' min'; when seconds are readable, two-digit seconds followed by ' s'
6 h 11 min 32 s
